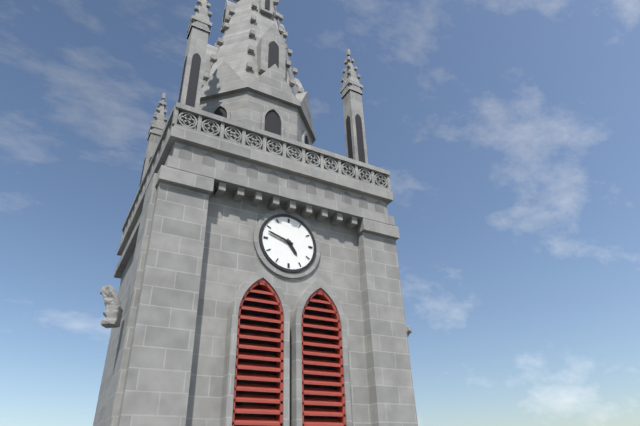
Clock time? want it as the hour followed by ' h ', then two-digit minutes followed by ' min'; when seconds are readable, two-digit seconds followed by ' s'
4 h 48 min
